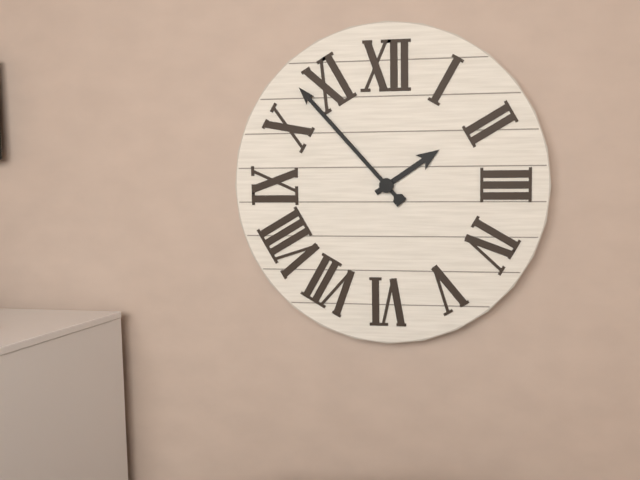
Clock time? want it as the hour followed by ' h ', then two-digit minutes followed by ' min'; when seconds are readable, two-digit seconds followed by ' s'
1 h 53 min
